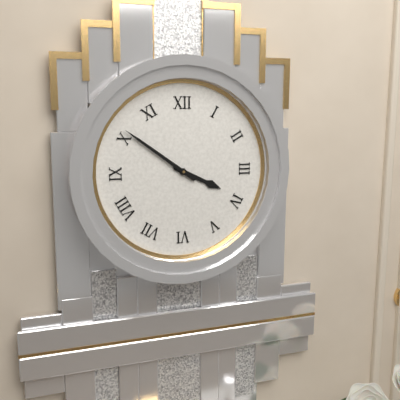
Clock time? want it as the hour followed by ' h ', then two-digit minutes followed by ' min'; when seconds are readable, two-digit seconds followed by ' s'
3 h 51 min
